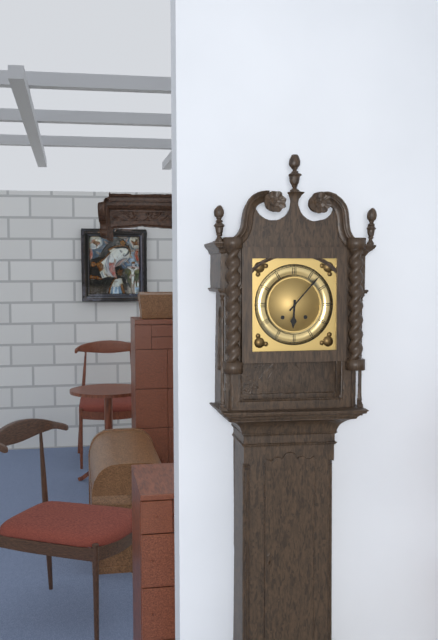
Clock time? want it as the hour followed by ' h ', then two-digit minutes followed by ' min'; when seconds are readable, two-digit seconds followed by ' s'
6 h 07 min
